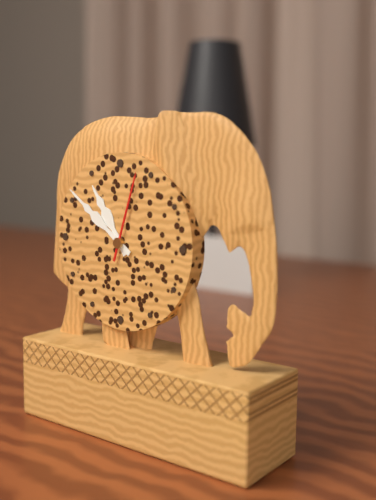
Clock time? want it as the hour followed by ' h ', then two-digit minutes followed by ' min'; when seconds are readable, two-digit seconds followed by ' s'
10 h 51 min 03 s
